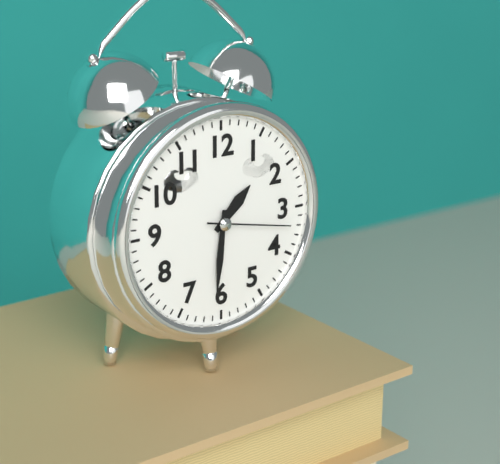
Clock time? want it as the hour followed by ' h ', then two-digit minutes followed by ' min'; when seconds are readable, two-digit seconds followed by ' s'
1 h 31 min 17 s
